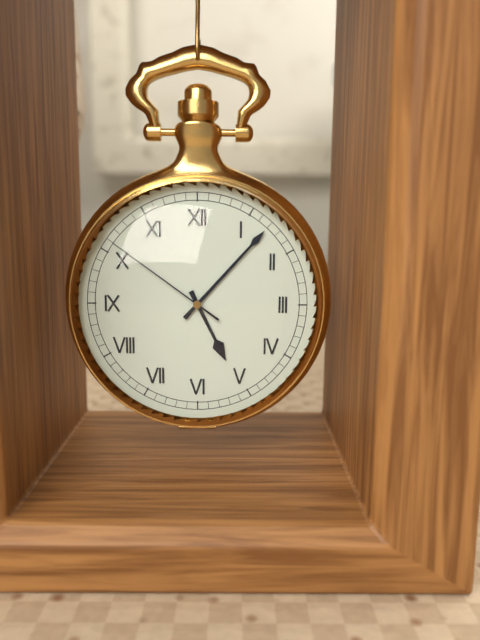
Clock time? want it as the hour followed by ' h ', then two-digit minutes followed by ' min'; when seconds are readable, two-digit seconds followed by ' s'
5 h 07 min 51 s
